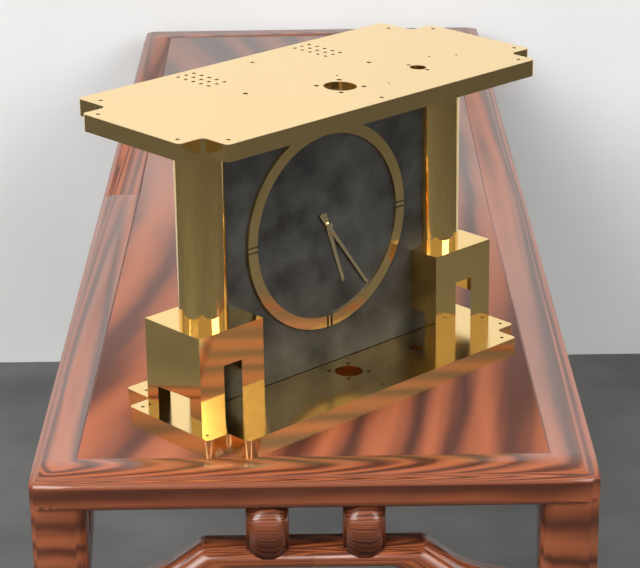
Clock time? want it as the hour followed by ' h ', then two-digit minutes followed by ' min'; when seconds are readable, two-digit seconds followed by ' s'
5 h 24 min
